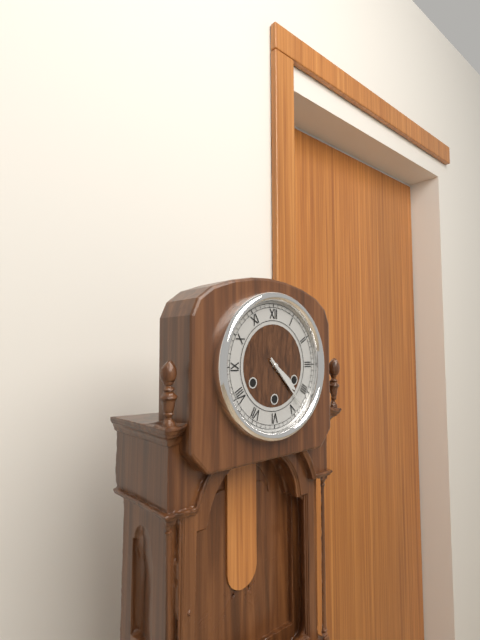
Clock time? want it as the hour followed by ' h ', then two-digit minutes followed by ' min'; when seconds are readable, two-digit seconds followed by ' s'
4 h 23 min
